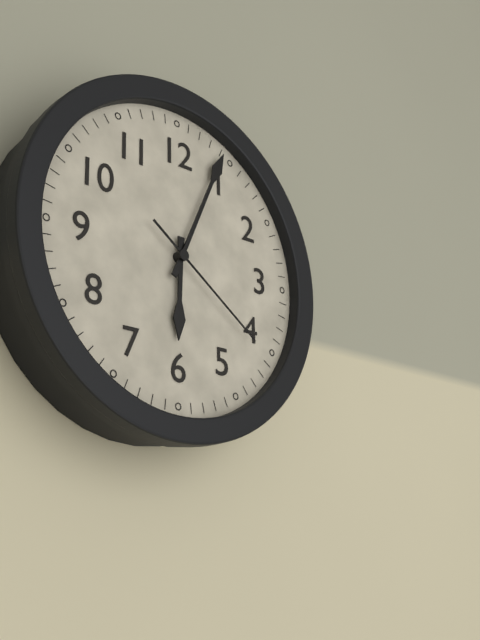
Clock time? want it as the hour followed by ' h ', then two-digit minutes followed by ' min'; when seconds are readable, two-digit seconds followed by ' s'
6 h 04 min 21 s
